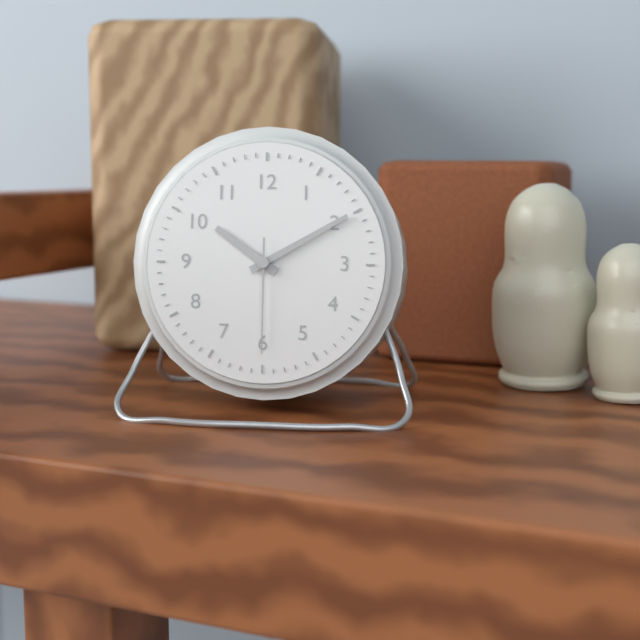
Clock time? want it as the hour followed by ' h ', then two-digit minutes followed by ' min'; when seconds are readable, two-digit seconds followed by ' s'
10 h 10 min 30 s
